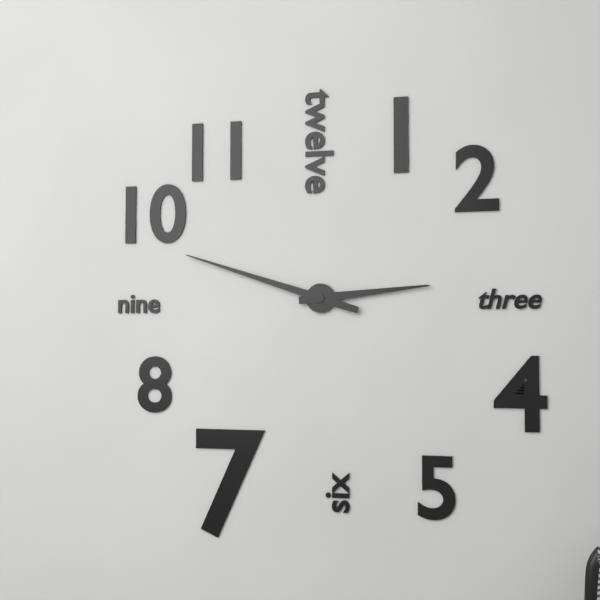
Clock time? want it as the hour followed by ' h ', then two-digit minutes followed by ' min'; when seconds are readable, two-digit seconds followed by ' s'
2 h 48 min
